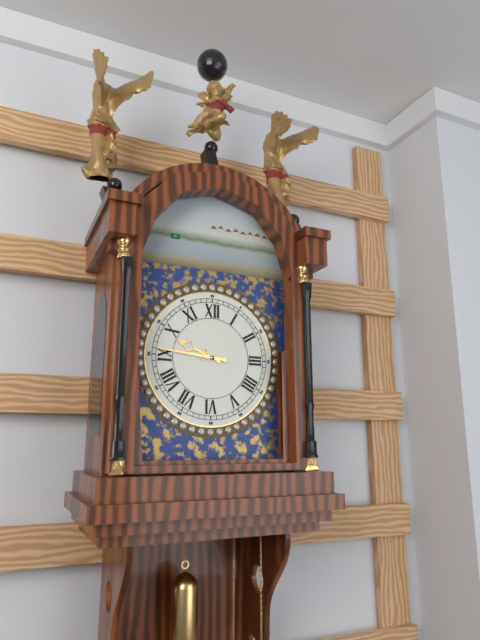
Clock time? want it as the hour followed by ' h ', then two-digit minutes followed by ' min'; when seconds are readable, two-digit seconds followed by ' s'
9 h 46 min
